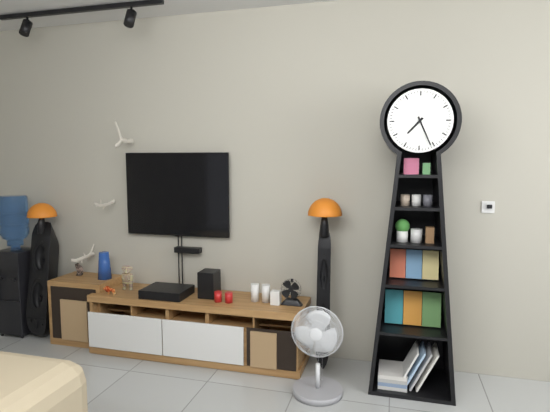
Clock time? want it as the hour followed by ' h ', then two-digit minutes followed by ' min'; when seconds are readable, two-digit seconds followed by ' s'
7 h 26 min
